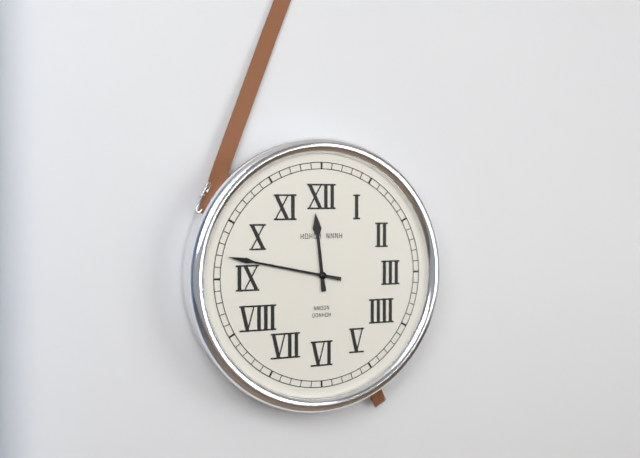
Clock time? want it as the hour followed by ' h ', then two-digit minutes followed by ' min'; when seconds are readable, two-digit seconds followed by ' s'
11 h 47 min
